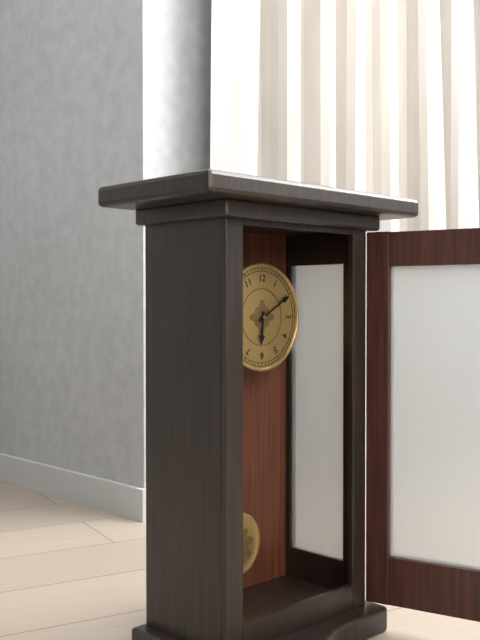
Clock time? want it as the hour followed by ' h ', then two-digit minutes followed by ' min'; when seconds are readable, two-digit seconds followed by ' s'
6 h 10 min
